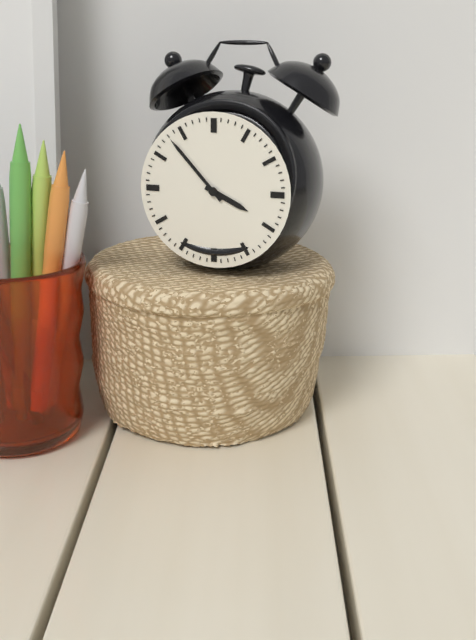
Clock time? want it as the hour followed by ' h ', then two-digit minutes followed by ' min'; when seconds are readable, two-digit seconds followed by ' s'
3 h 53 min
